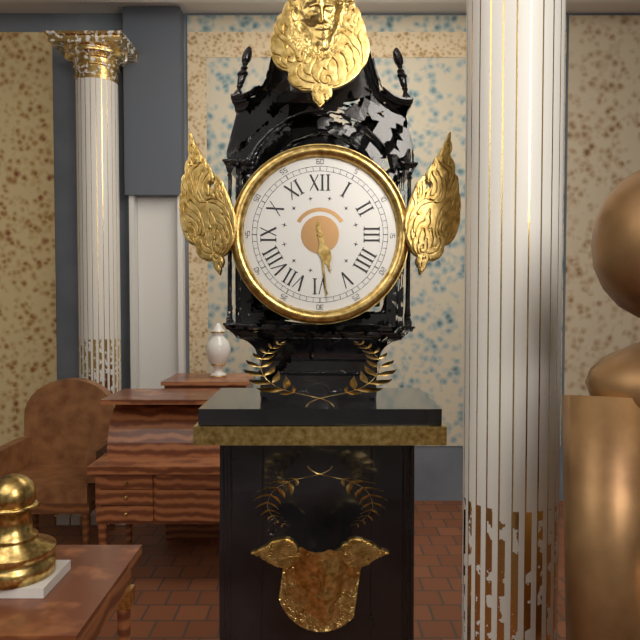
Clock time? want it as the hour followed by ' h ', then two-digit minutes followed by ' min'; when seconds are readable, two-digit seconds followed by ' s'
5 h 29 min
